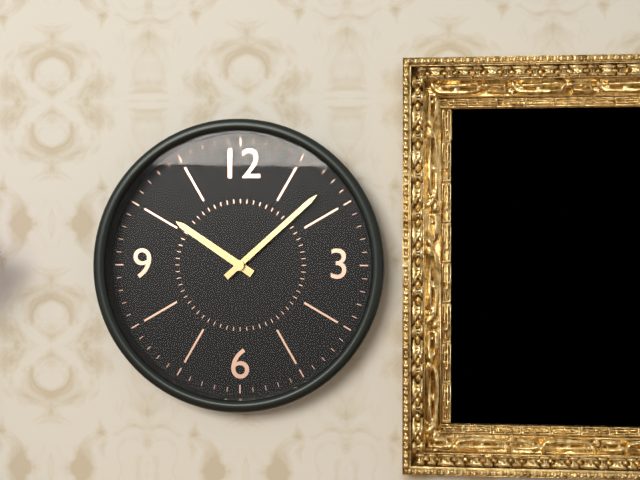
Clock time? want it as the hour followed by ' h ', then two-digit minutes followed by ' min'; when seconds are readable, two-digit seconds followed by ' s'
10 h 08 min
